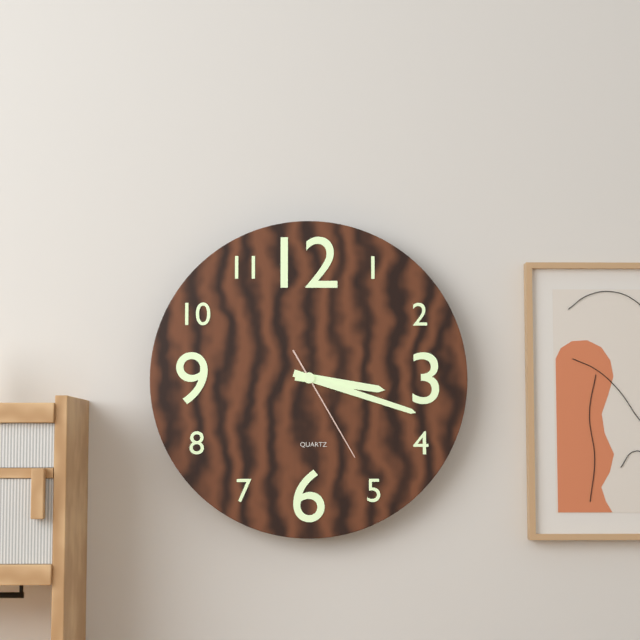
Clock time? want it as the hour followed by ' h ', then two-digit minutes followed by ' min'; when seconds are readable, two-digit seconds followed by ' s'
3 h 18 min 25 s
